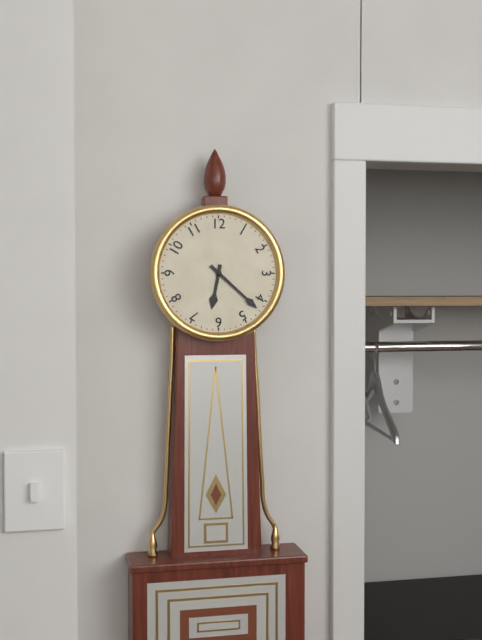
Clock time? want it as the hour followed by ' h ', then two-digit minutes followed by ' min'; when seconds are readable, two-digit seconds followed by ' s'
6 h 22 min
